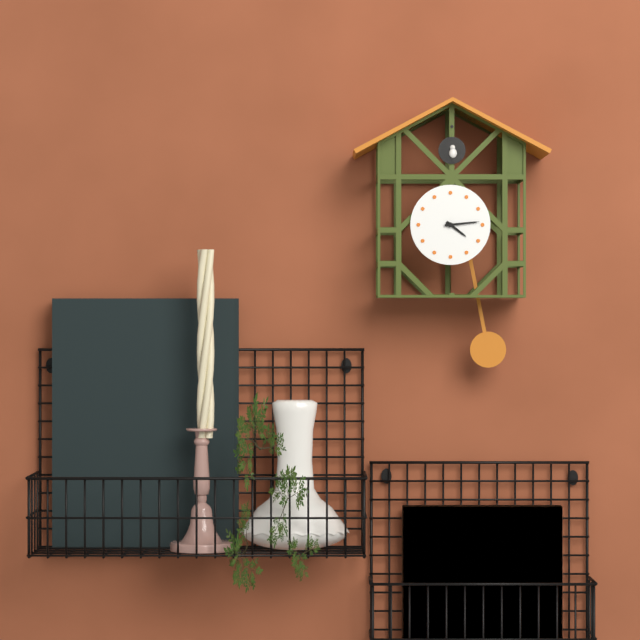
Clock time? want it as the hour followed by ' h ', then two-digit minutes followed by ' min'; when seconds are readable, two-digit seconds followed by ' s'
4 h 14 min
